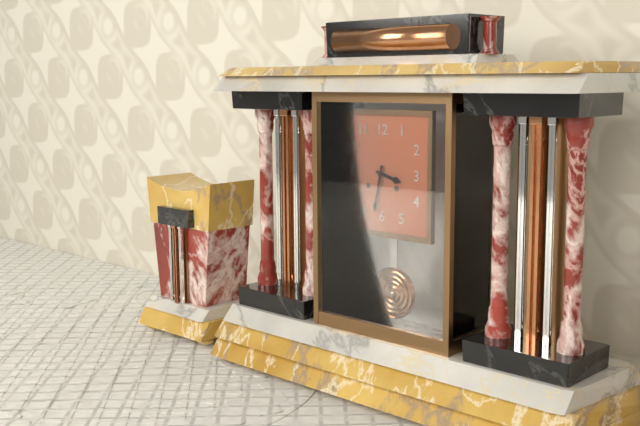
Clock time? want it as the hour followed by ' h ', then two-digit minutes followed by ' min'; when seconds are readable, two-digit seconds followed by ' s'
3 h 32 min
